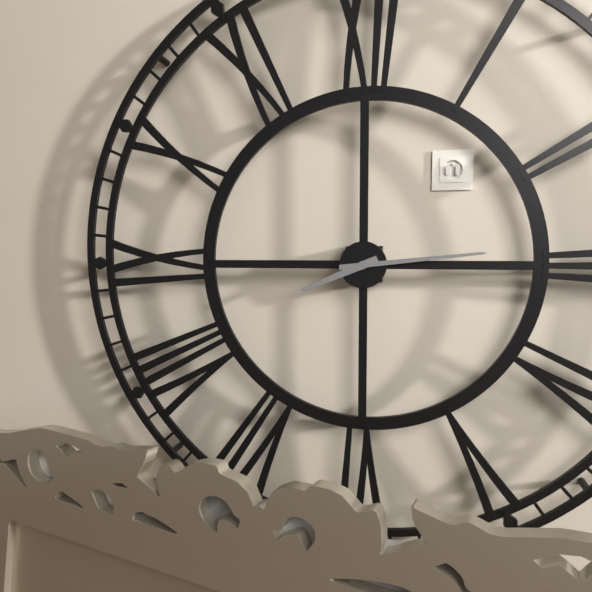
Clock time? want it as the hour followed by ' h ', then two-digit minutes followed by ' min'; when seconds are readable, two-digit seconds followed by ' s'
8 h 14 min
